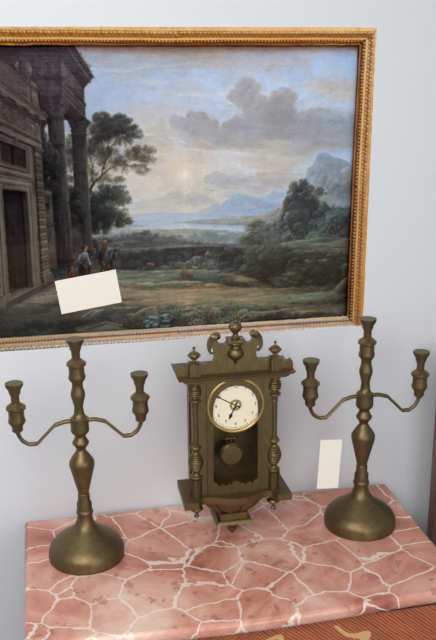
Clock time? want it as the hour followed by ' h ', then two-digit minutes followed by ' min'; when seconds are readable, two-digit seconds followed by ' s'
6 h 50 min
